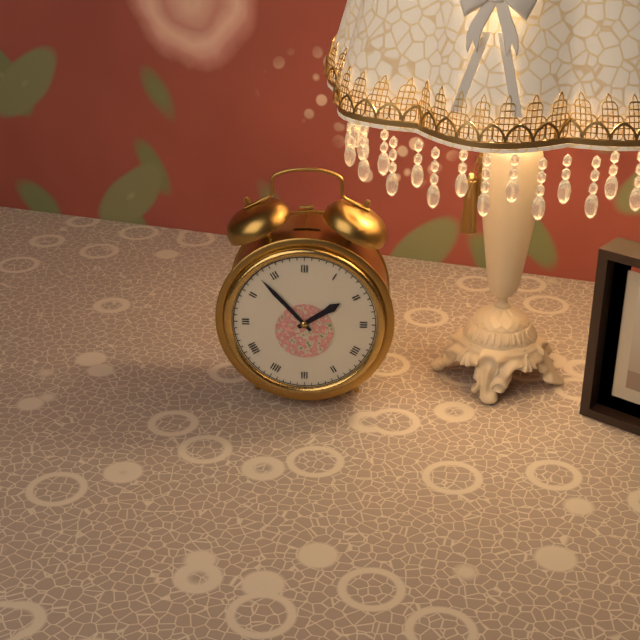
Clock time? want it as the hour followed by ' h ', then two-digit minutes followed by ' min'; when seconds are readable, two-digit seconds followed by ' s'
1 h 53 min
